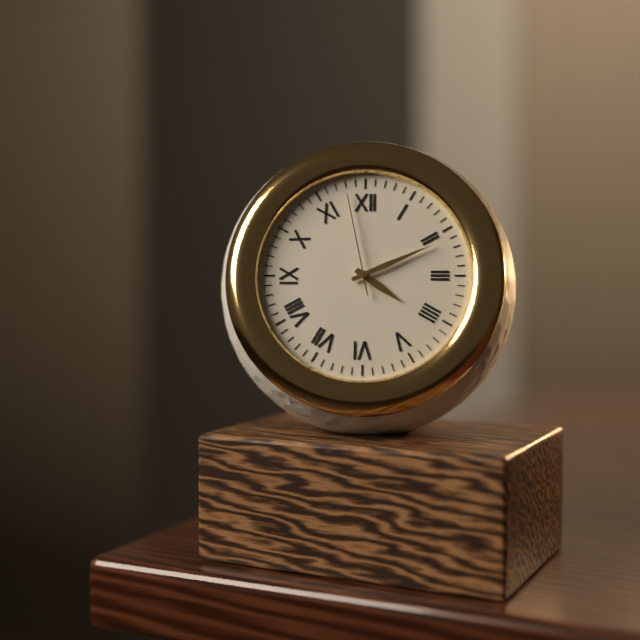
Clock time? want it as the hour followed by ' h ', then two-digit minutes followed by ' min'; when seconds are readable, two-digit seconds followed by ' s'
4 h 11 min 58 s
